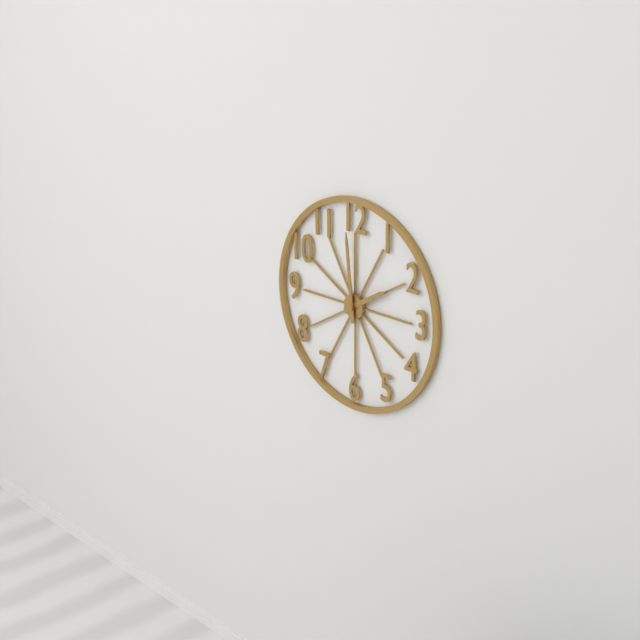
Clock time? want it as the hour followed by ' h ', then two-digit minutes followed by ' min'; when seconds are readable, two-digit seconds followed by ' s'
1 h 59 min
